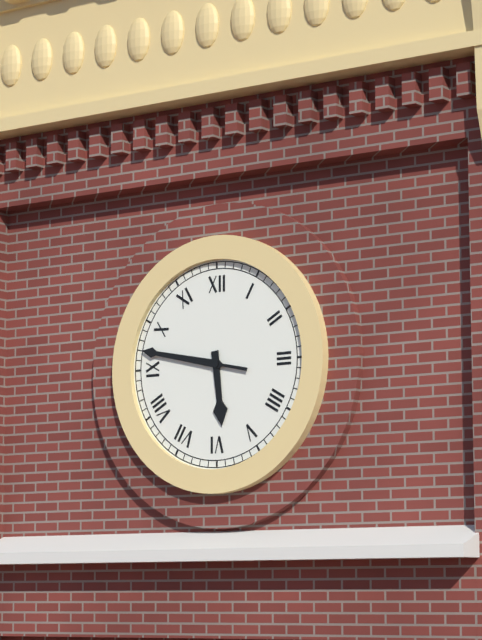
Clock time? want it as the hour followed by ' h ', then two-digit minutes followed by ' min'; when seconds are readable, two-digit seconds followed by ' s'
5 h 47 min
